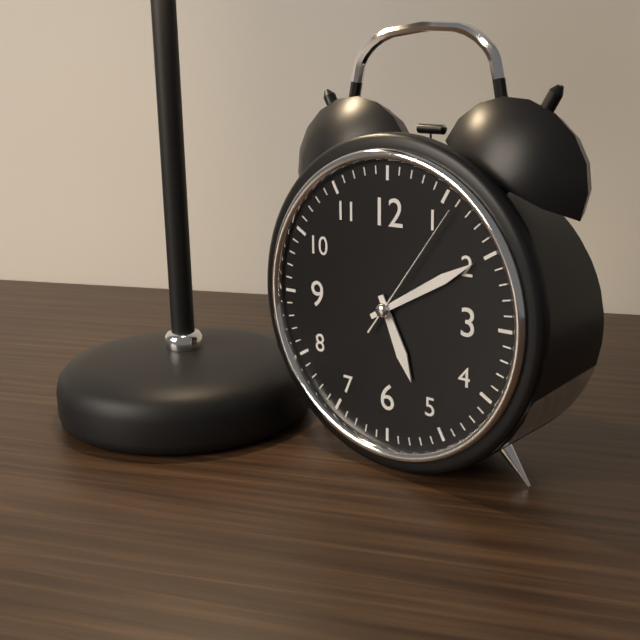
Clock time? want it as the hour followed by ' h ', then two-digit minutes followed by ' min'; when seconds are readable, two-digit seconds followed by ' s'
5 h 10 min 06 s
